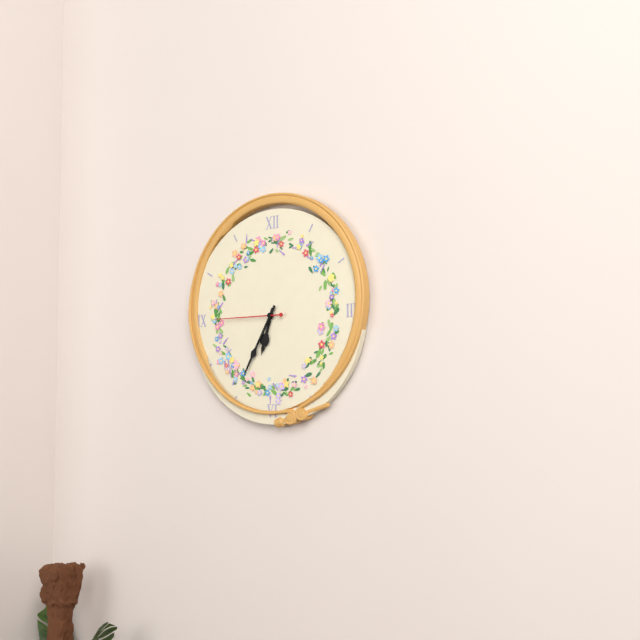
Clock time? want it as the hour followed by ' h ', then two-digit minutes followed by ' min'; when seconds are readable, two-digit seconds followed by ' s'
6 h 35 min 45 s
